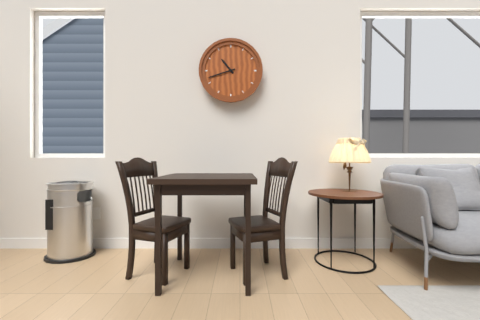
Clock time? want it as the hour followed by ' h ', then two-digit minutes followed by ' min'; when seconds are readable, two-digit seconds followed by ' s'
10 h 42 min
